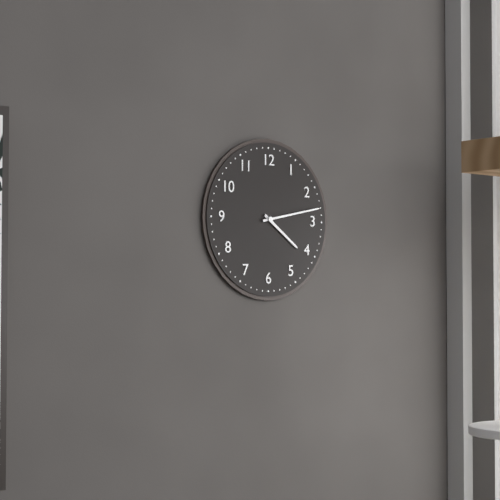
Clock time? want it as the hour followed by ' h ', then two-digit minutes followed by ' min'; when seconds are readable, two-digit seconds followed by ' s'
4 h 13 min
